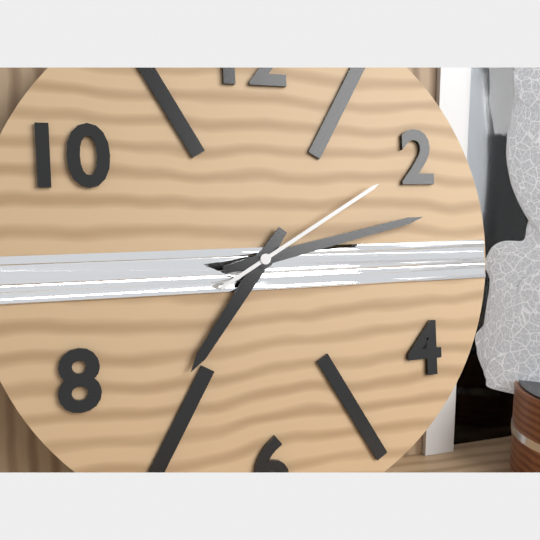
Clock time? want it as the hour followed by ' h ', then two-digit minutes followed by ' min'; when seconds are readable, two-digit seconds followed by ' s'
7 h 13 min 10 s
